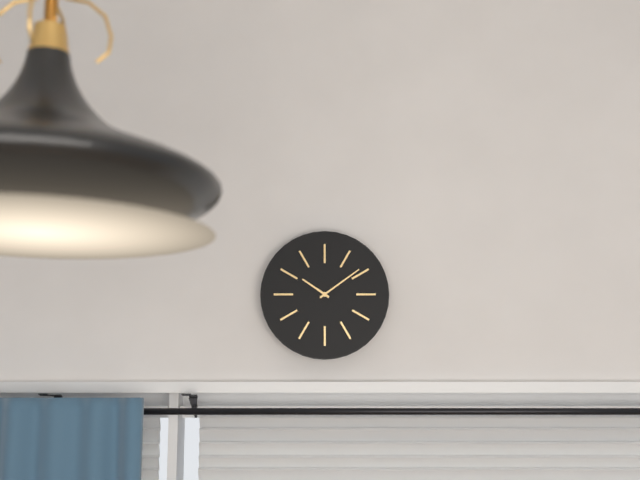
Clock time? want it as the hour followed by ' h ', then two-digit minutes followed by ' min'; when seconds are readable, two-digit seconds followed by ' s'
10 h 09 min
